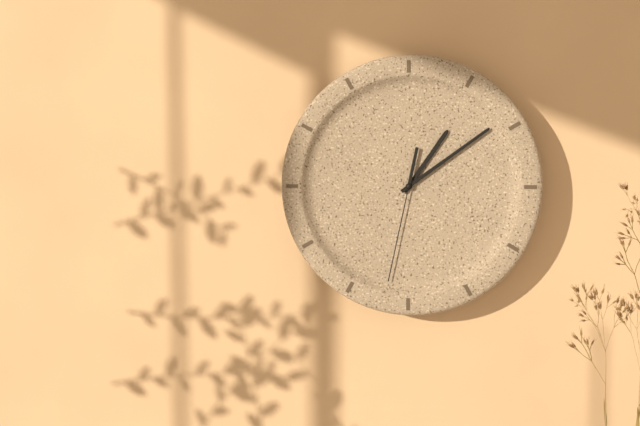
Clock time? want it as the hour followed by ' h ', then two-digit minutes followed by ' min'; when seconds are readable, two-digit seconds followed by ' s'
1 h 09 min 32 s
